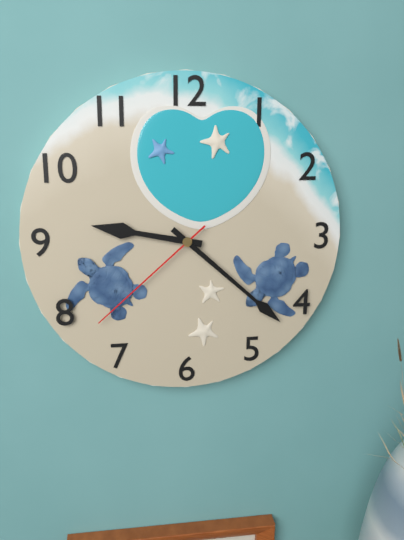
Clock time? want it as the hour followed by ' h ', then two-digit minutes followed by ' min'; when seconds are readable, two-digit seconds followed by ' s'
9 h 22 min 38 s
